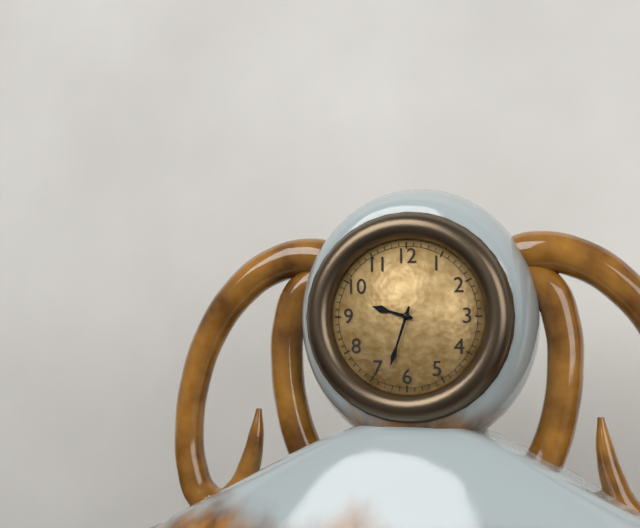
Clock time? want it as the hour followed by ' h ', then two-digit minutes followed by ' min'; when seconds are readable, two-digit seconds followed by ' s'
9 h 33 min
